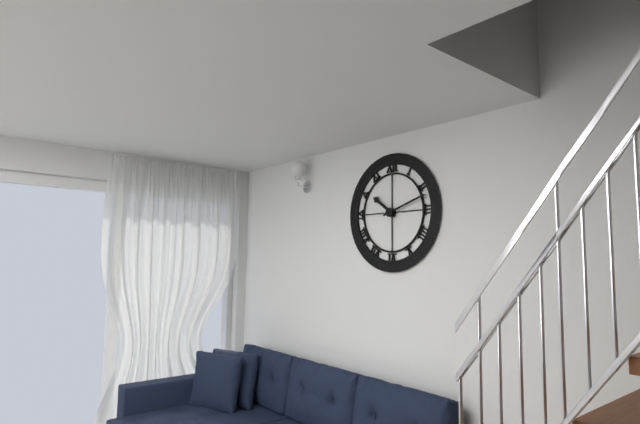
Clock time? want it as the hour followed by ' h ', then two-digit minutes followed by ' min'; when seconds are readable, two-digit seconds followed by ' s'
10 h 12 min
